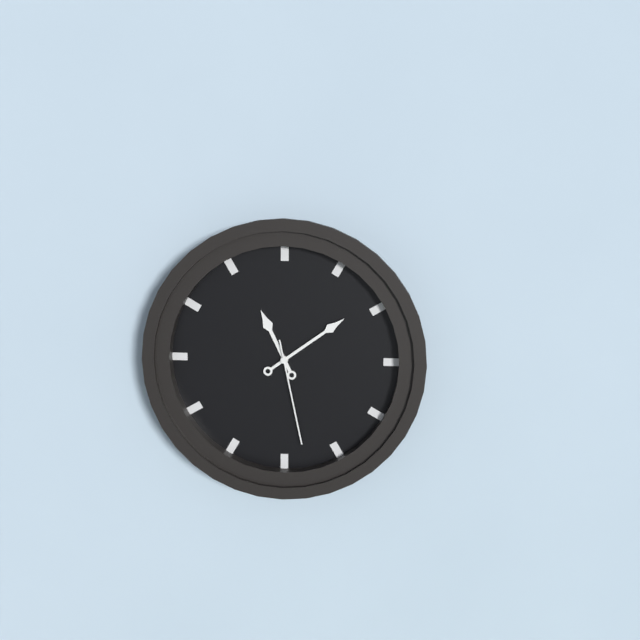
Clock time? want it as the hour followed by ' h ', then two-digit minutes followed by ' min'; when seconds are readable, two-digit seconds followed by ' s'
11 h 09 min 28 s
